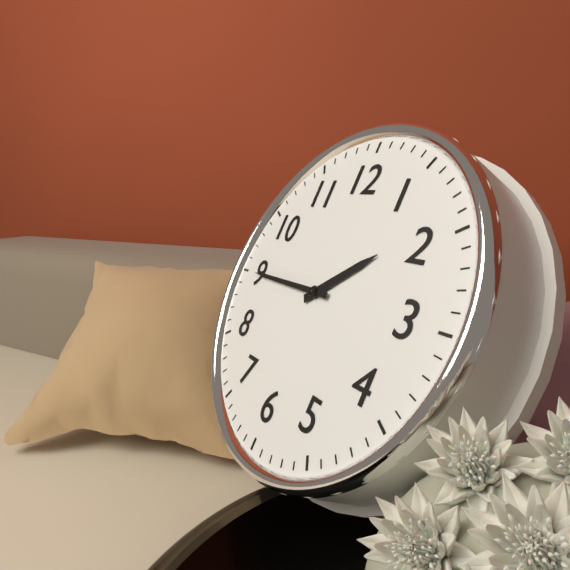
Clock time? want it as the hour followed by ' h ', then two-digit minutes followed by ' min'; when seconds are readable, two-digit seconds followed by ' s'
1 h 45 min
